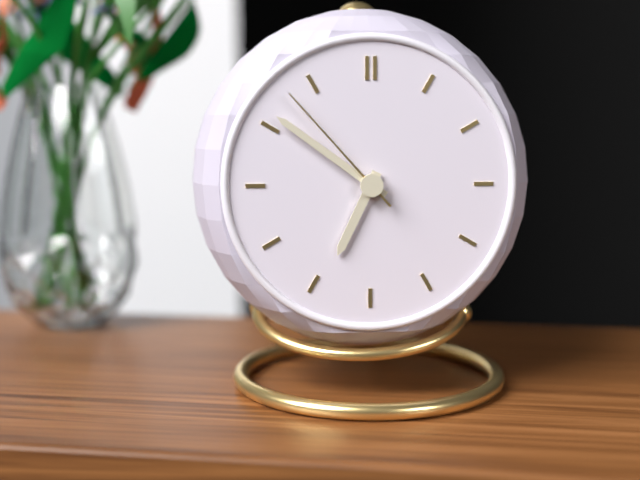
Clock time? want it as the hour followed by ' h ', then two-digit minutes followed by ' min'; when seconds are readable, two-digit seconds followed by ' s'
6 h 51 min 53 s
